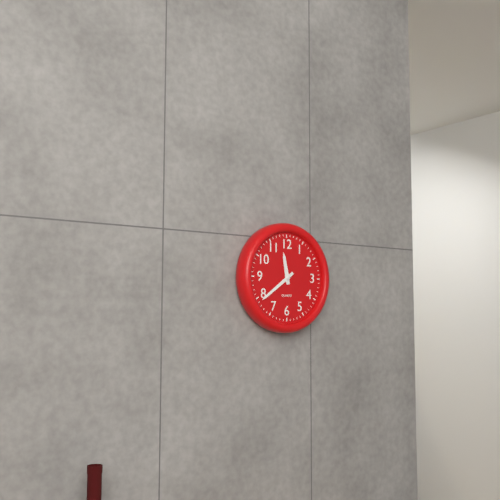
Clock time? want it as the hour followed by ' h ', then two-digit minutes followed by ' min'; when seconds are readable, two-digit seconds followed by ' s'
11 h 39 min
